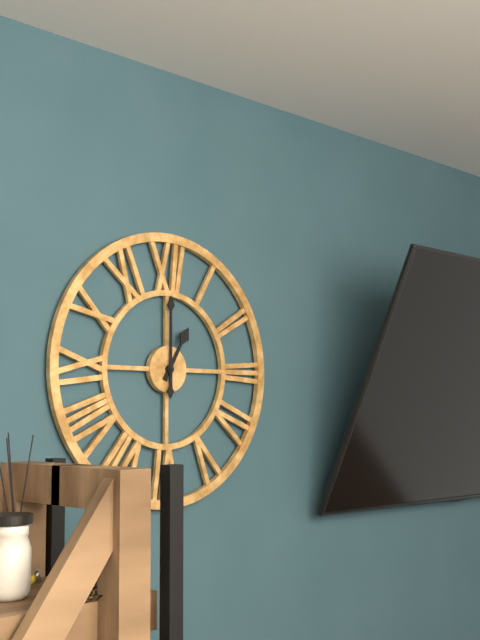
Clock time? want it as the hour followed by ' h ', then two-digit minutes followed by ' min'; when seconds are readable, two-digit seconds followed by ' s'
1 h 00 min
